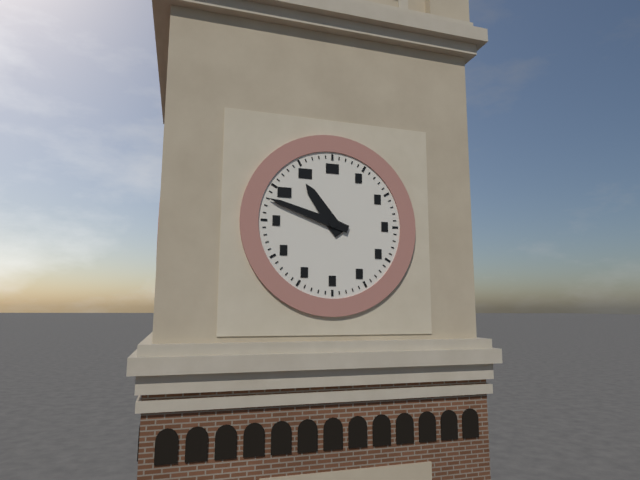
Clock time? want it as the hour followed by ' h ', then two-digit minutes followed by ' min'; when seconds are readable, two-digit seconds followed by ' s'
10 h 48 min
